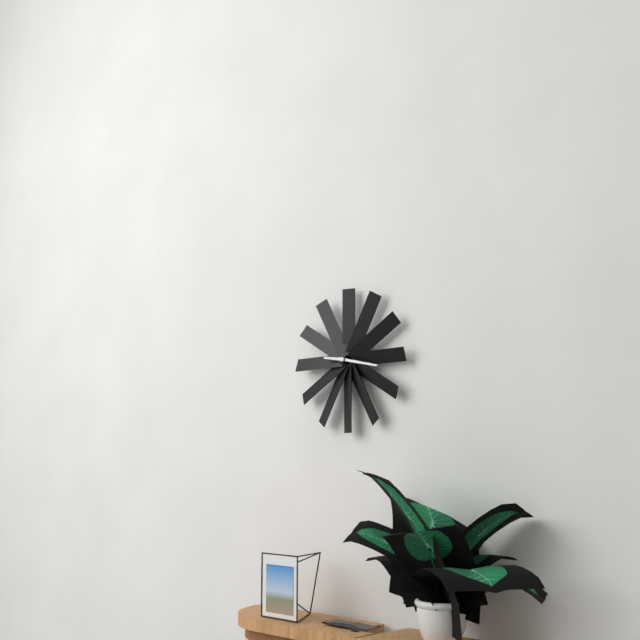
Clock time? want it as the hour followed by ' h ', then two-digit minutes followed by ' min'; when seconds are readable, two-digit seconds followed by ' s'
9 h 17 min
